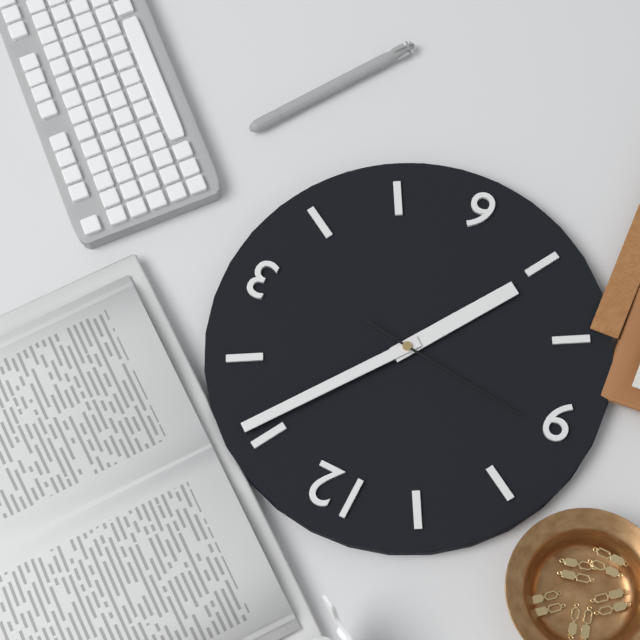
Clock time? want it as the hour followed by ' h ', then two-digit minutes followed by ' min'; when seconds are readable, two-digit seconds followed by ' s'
7 h 06 min 46 s
